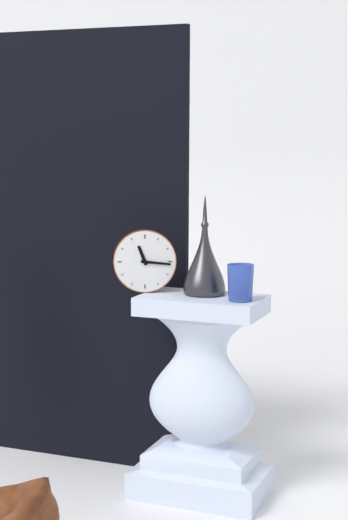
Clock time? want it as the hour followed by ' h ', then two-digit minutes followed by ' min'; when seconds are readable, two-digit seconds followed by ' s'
11 h 16 min
